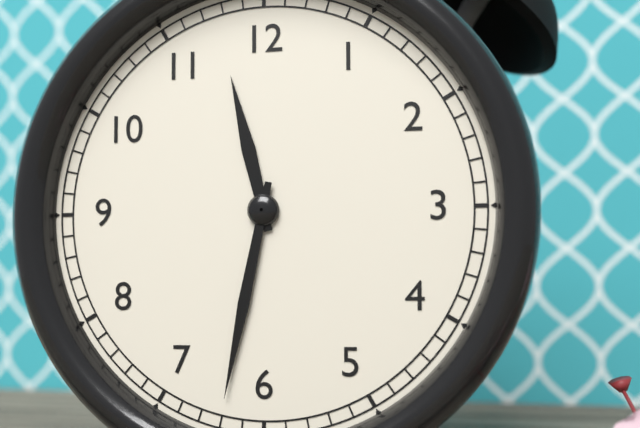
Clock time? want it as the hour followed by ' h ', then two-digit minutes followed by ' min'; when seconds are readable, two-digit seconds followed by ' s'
11 h 32 min
